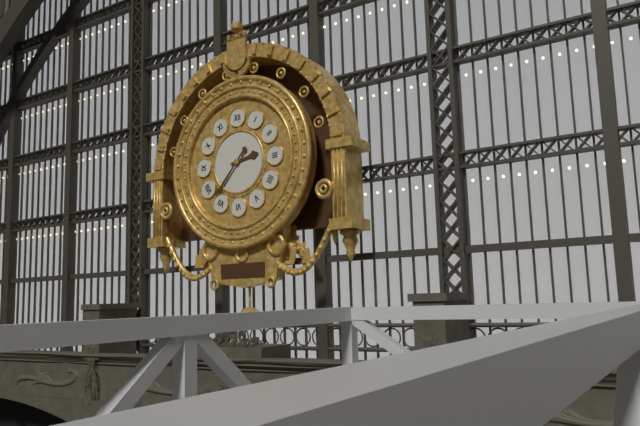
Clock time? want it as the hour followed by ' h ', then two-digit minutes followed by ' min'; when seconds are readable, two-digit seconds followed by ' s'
2 h 37 min
